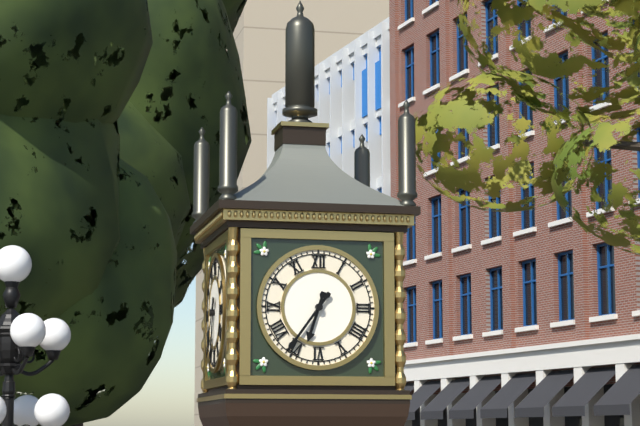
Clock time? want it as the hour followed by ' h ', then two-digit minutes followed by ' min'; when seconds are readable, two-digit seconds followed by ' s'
6 h 36 min
